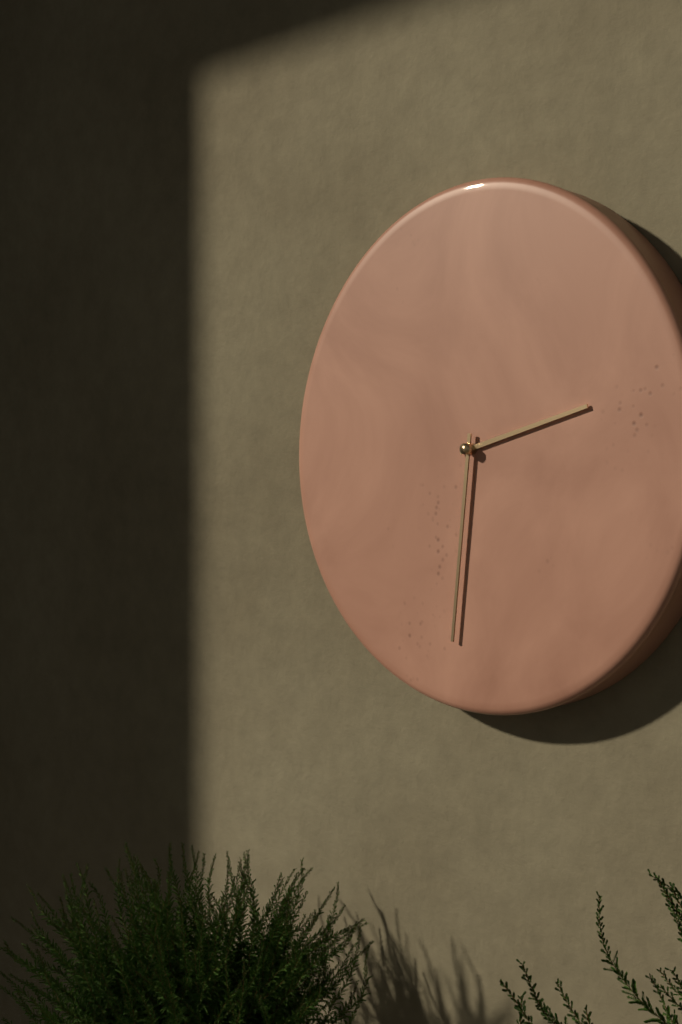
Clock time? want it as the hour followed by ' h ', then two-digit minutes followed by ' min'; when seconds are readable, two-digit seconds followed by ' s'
2 h 31 min
